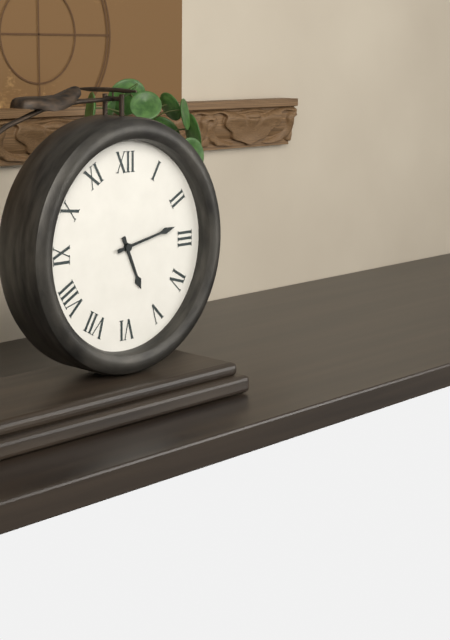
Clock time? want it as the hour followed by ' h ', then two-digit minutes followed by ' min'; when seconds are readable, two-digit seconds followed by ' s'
5 h 13 min
